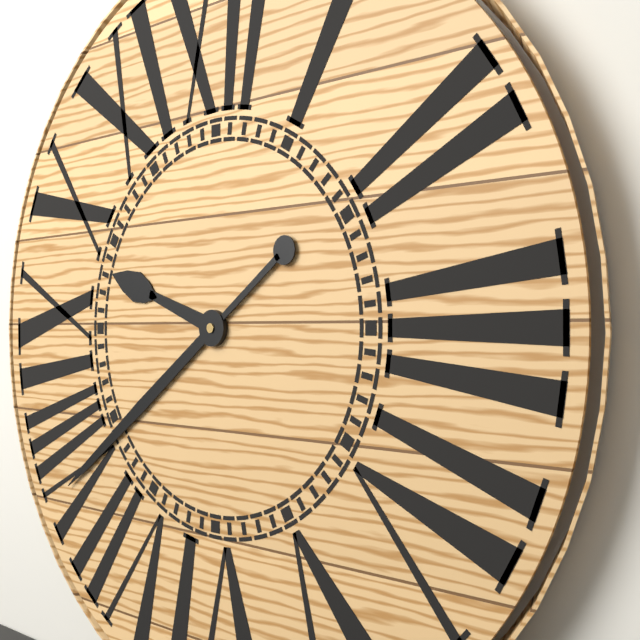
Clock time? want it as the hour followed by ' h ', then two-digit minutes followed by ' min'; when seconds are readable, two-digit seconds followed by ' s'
9 h 39 min
